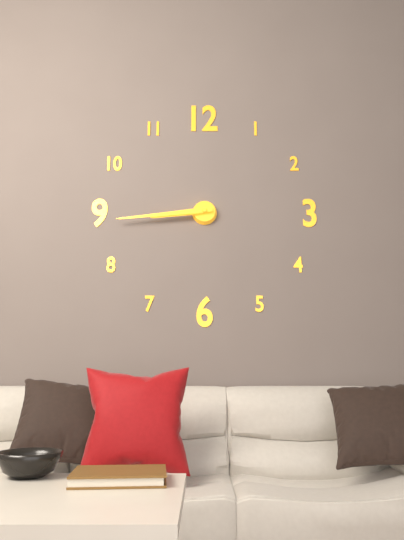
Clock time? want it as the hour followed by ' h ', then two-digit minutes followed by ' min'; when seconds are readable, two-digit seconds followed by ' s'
8 h 44 min
